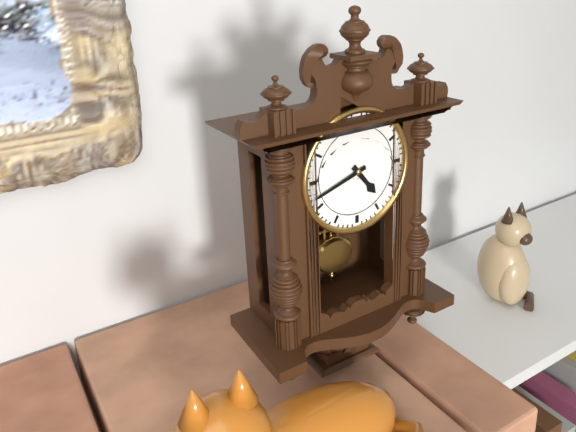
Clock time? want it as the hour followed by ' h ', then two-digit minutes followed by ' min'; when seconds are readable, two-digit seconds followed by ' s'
4 h 42 min
